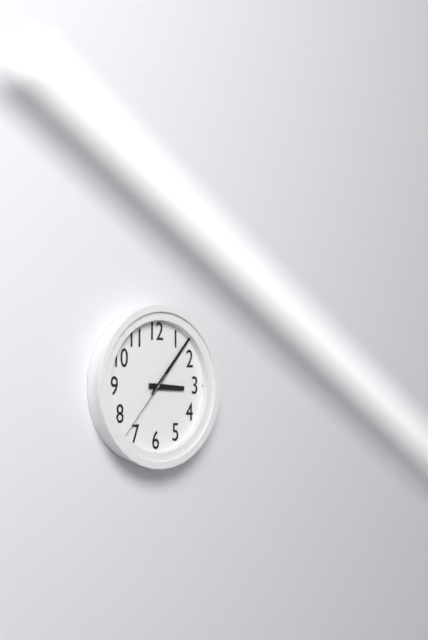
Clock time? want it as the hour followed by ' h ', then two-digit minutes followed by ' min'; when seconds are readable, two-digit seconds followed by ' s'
3 h 07 min 37 s
